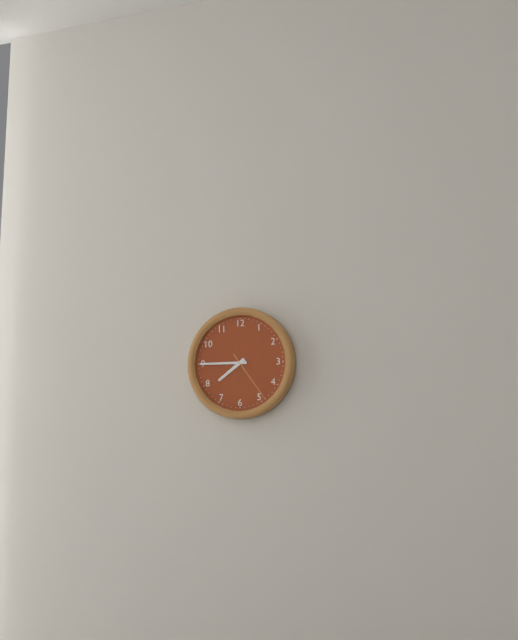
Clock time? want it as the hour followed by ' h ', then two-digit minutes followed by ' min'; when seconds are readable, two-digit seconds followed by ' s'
7 h 45 min 24 s
